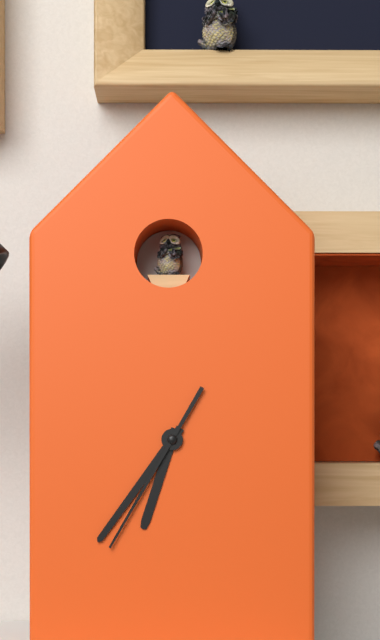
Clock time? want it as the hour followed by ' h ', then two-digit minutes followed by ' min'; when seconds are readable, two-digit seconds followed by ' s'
6 h 36 min 35 s
